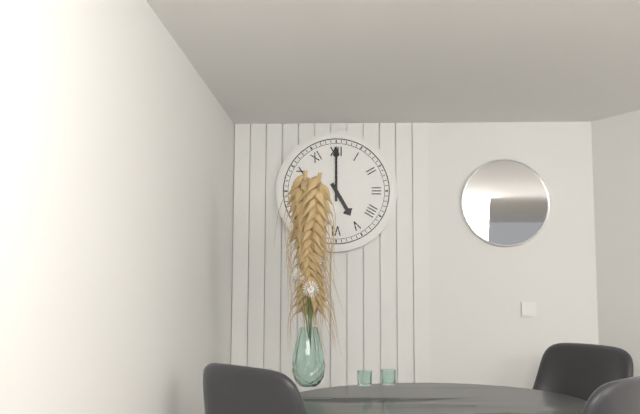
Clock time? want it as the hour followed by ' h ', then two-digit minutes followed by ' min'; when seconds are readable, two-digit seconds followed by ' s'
5 h 00 min
